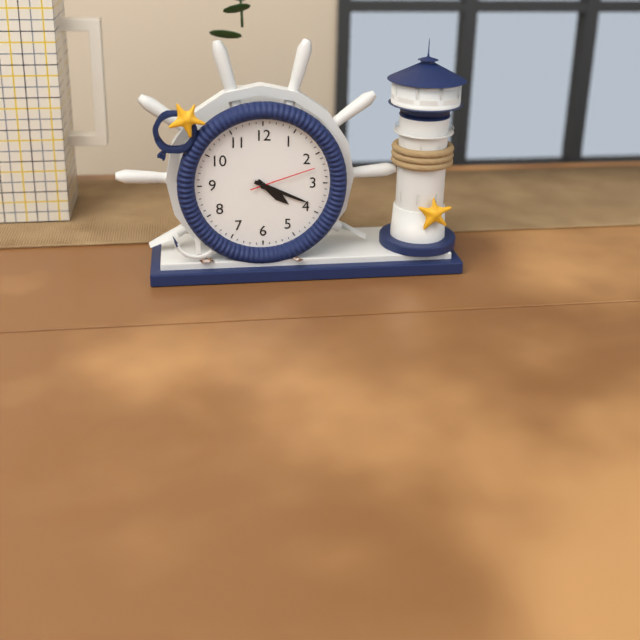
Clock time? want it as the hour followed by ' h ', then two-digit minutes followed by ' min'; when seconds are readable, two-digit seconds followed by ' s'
4 h 19 min 12 s
